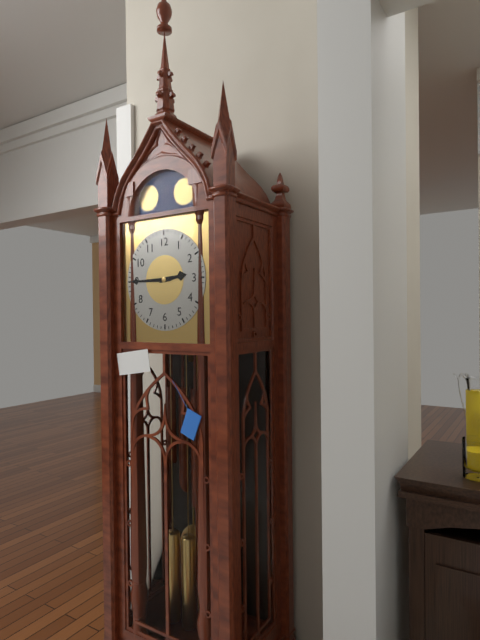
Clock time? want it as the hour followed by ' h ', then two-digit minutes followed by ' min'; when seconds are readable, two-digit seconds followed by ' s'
2 h 45 min
